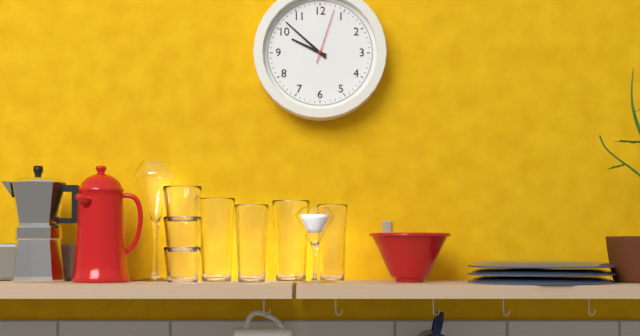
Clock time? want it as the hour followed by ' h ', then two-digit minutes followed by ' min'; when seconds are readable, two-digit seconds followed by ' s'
9 h 52 min 03 s
